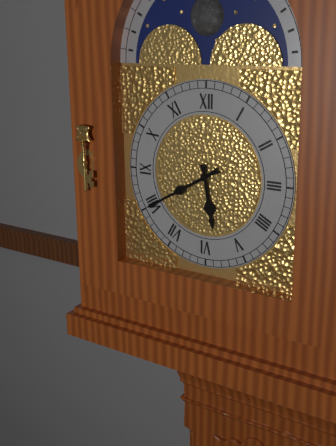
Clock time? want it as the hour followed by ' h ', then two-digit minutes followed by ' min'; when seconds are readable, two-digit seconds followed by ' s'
5 h 40 min
